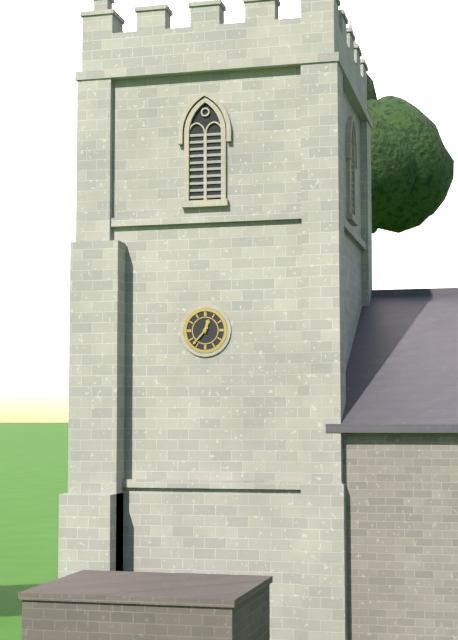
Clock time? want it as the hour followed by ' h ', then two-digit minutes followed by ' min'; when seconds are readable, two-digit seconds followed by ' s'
12 h 37 min
